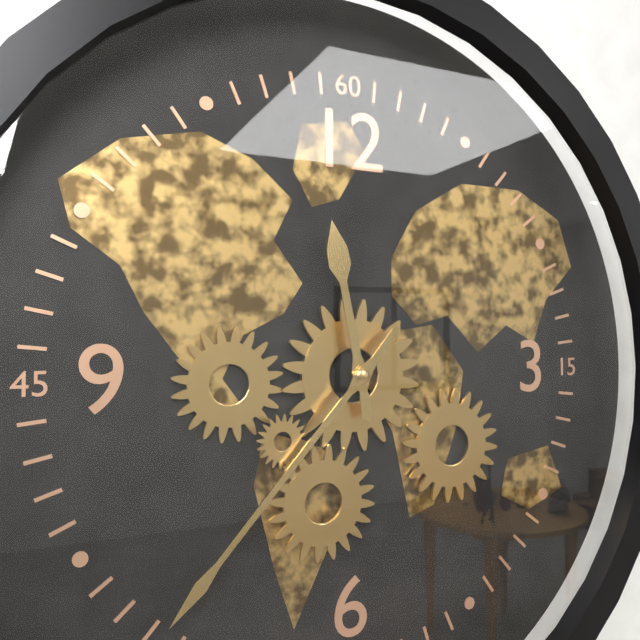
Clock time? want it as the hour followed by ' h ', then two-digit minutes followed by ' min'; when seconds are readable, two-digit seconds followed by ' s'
11 h 37 min
